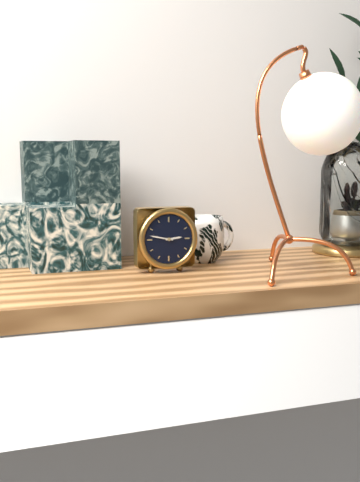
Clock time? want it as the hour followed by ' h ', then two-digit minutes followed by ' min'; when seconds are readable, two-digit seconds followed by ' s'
2 h 47 min
